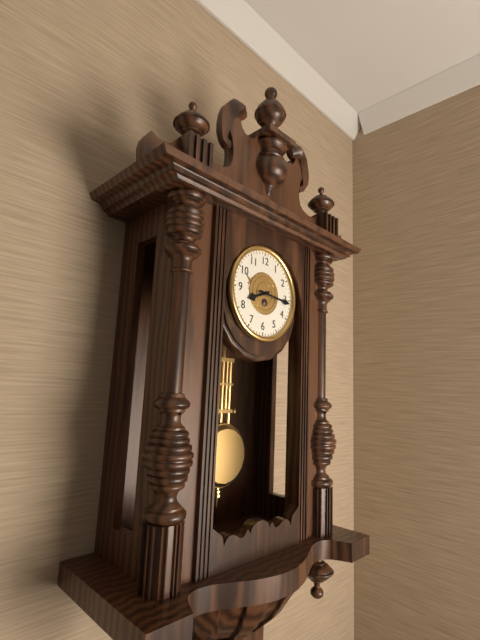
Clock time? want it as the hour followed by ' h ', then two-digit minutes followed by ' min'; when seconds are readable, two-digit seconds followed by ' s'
8 h 16 min
